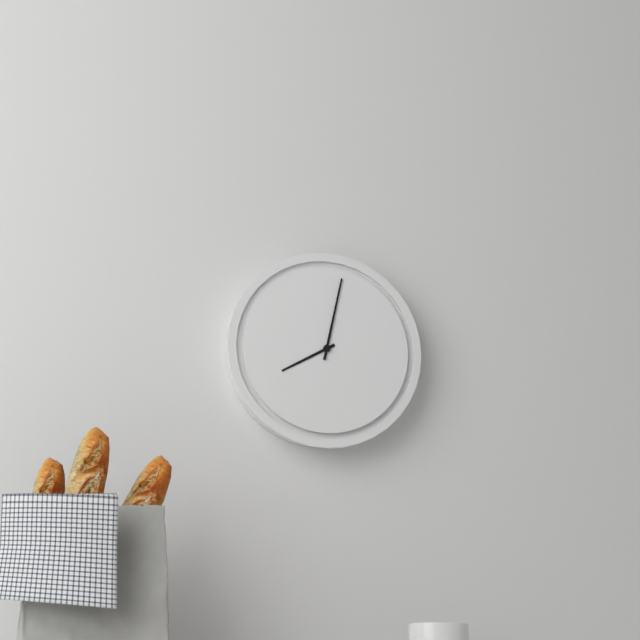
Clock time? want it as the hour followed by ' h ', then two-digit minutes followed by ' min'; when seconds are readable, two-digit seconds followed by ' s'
8 h 02 min
